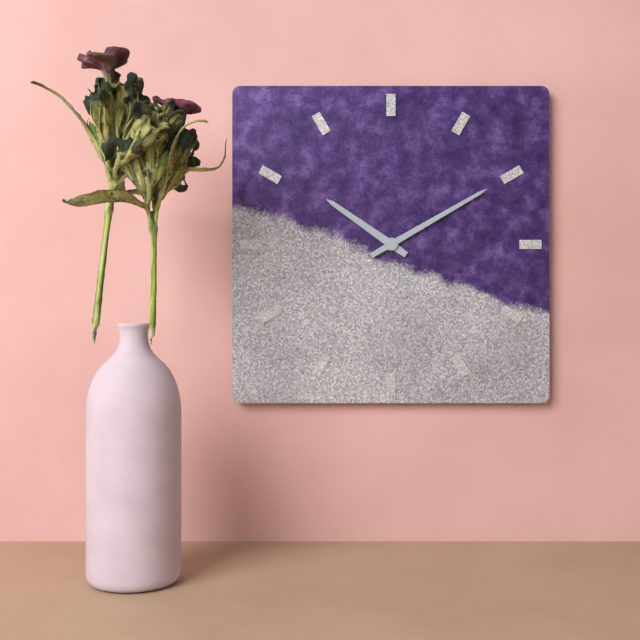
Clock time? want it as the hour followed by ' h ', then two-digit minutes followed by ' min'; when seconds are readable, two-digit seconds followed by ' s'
10 h 10 min
